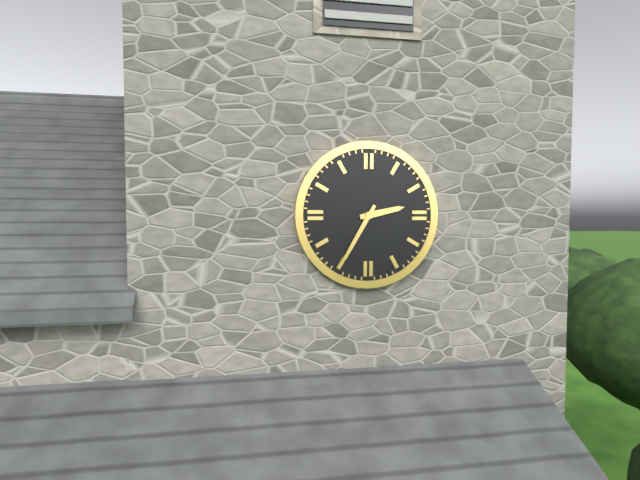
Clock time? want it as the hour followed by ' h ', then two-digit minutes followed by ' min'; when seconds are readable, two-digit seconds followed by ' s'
2 h 35 min
